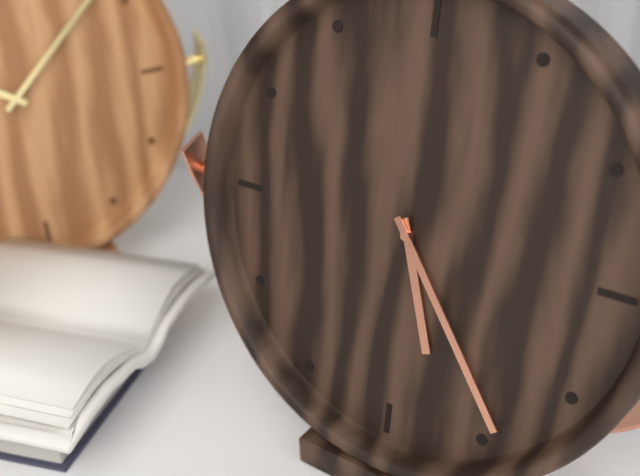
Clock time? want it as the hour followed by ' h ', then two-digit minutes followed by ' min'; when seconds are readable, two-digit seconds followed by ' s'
5 h 24 min
